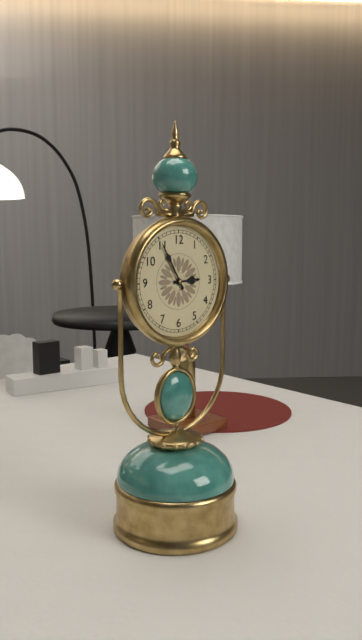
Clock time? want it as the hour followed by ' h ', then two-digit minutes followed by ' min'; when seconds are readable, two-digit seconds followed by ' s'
2 h 55 min
